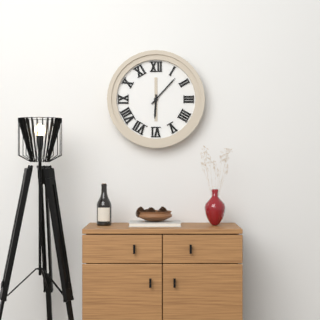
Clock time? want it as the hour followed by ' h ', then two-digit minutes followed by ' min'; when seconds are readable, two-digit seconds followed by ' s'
6 h 07 min
